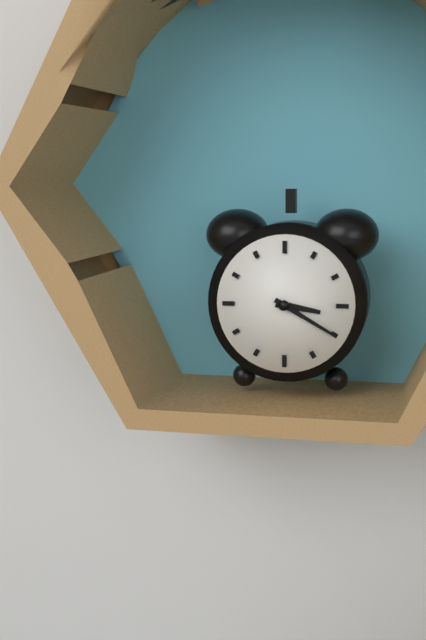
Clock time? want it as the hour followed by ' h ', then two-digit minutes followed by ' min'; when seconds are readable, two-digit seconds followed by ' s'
3 h 20 min
